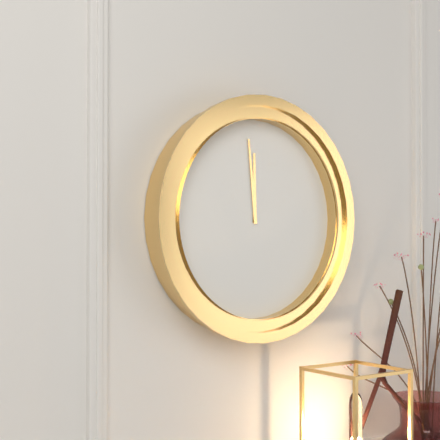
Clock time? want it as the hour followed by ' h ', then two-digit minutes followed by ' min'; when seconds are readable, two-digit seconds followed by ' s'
11 h 59 min
